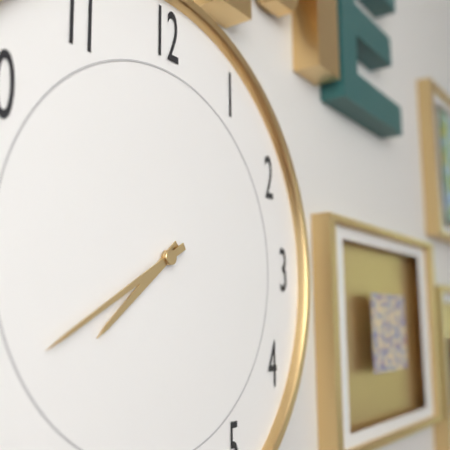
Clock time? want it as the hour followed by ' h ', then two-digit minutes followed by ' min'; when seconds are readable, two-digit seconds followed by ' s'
7 h 40 min
